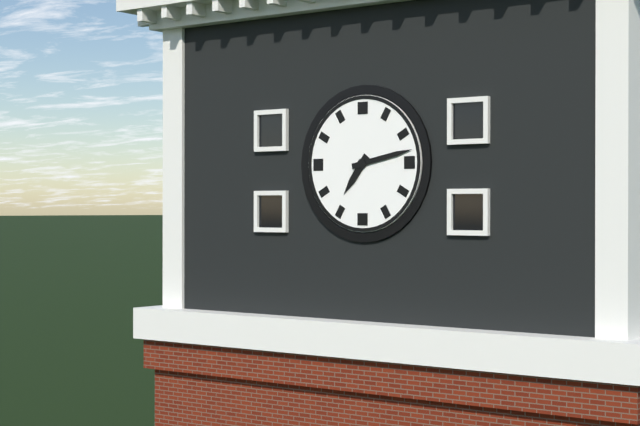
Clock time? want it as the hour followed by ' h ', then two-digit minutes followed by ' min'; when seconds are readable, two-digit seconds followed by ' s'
7 h 13 min
